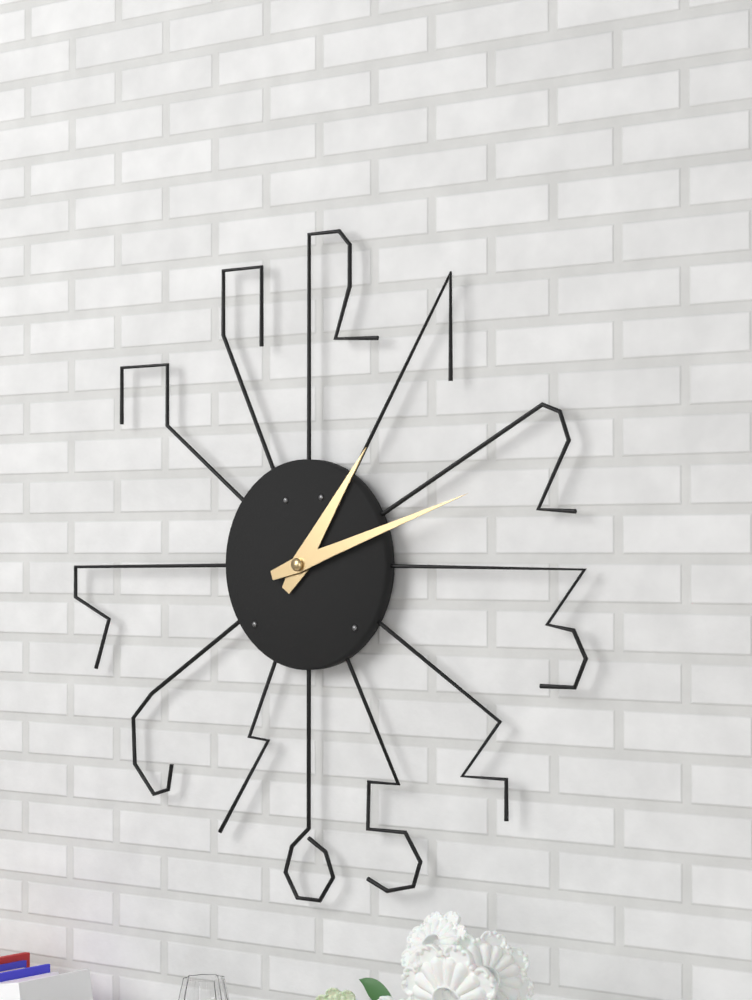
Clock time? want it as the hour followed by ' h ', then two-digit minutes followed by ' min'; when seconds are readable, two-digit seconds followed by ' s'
1 h 12 min
